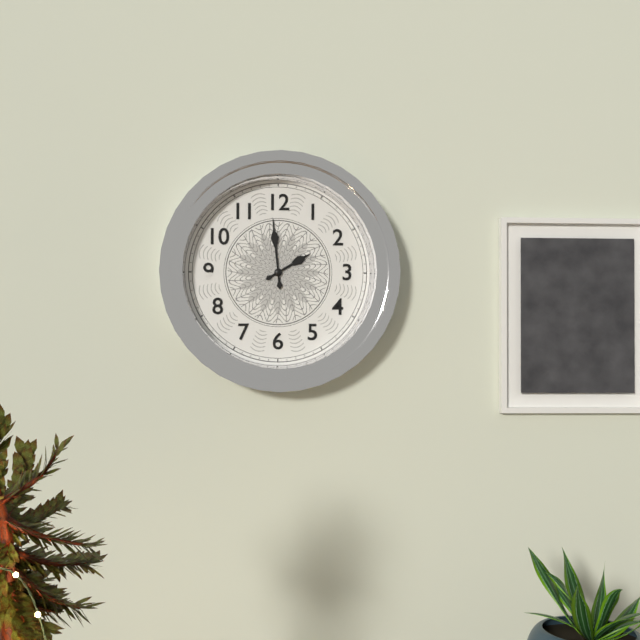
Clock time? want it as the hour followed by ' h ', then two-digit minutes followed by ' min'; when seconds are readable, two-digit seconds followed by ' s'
1 h 59 min
